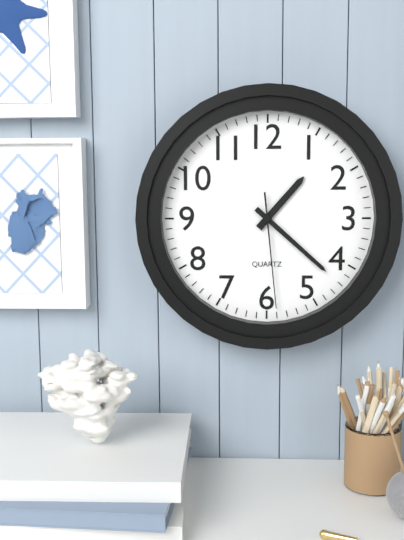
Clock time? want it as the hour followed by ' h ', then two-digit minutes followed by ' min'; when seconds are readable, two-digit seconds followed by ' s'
1 h 22 min 29 s
